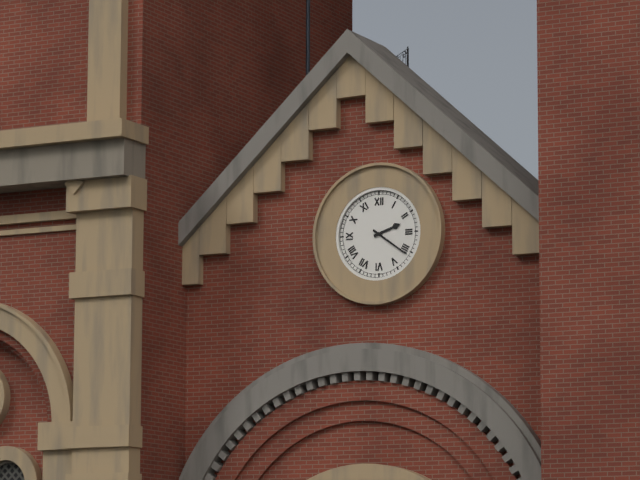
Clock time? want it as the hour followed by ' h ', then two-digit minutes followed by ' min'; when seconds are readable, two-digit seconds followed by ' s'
2 h 21 min
